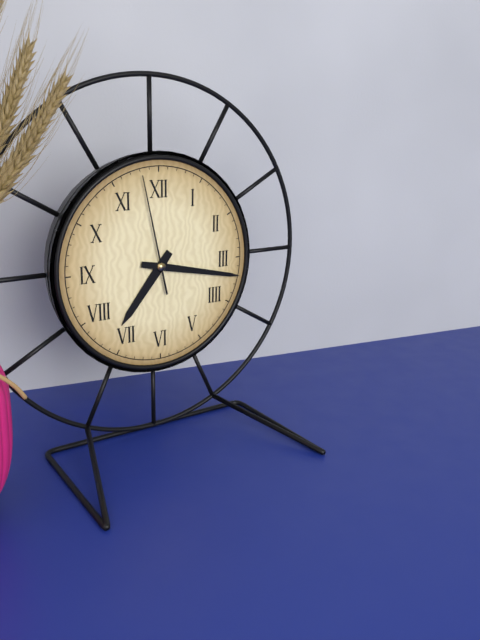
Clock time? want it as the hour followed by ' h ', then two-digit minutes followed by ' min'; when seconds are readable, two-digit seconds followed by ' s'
7 h 17 min 58 s
